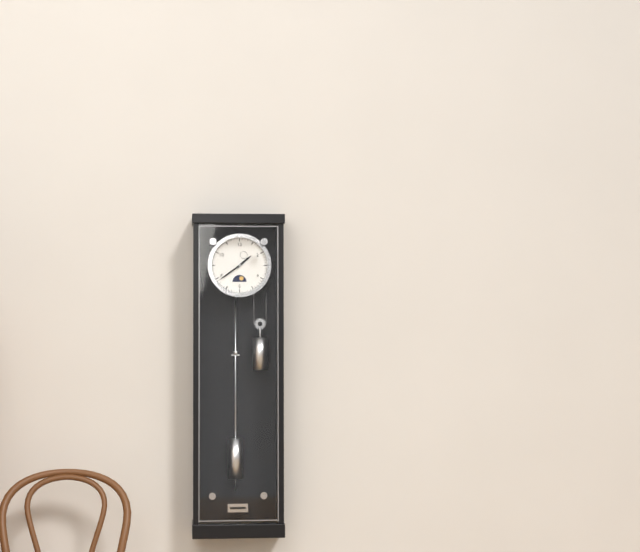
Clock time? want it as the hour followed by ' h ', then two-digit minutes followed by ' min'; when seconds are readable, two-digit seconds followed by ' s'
1 h 39 min
